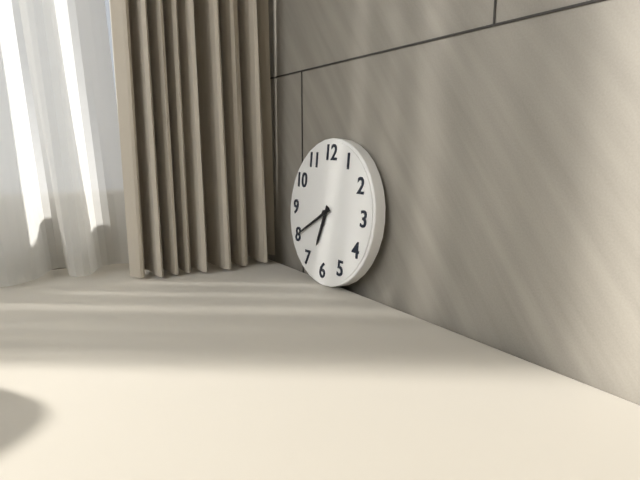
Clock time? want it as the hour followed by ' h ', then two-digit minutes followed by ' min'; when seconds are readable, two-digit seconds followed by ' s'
6 h 40 min
